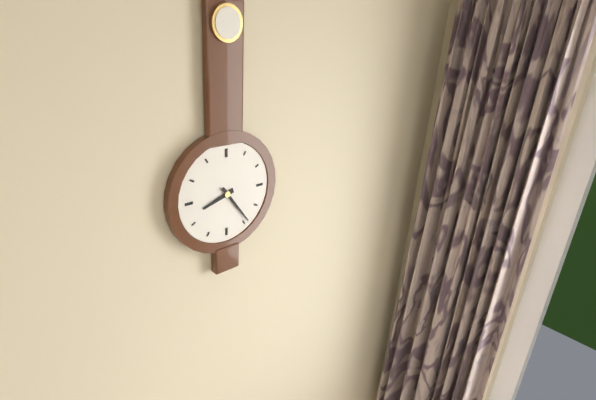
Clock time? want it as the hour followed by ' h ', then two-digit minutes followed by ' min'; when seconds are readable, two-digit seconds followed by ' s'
8 h 24 min
